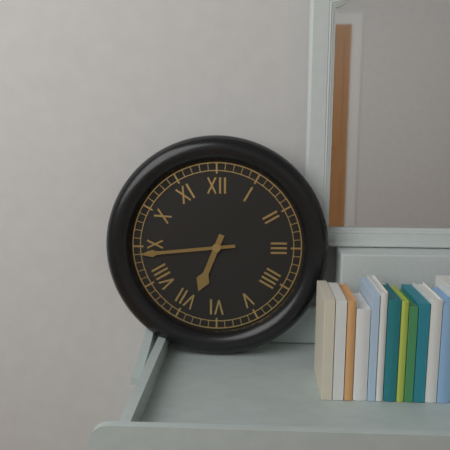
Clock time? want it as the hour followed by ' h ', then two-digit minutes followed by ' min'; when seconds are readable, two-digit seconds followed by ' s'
6 h 44 min
